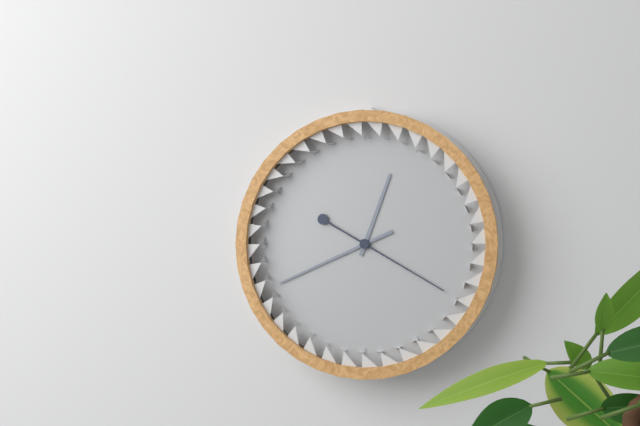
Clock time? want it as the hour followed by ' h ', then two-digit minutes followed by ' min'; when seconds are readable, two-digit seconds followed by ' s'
12 h 41 min 20 s
